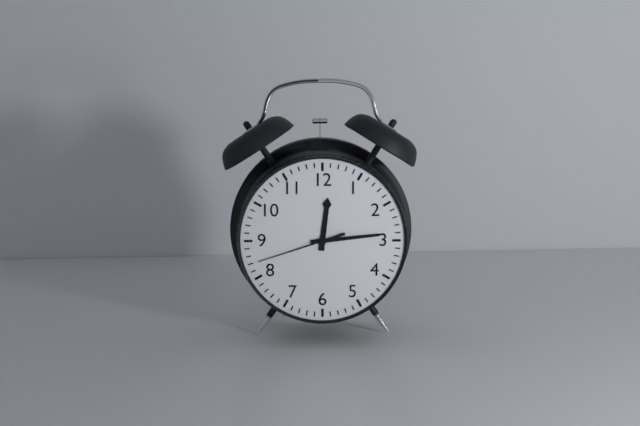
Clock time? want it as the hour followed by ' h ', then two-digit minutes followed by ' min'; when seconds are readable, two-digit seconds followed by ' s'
12 h 14 min 42 s
